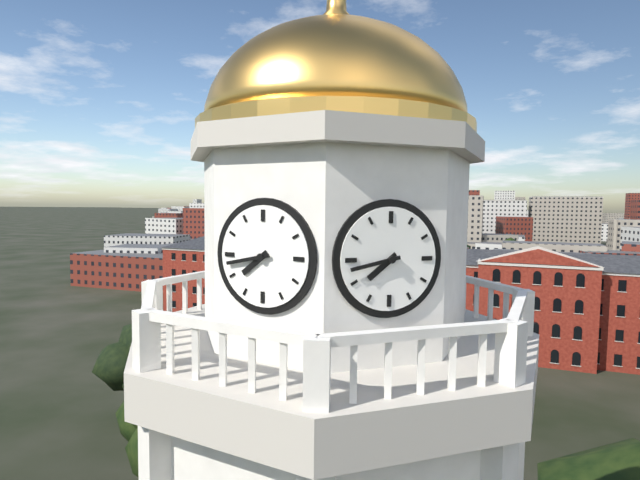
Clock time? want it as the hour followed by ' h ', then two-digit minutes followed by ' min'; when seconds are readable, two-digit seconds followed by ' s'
7 h 43 min
